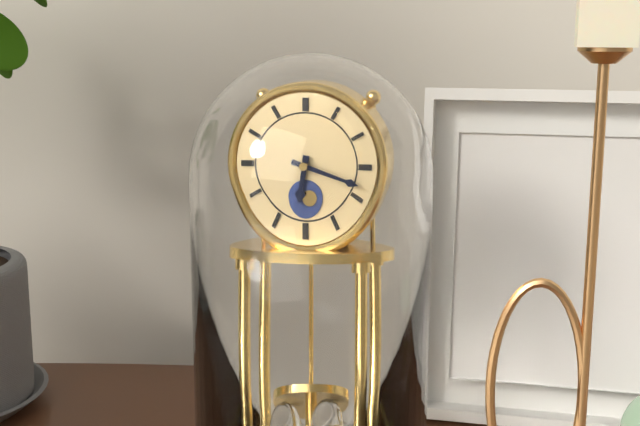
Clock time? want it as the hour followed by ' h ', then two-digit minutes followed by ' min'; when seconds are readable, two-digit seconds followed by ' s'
6 h 18 min
